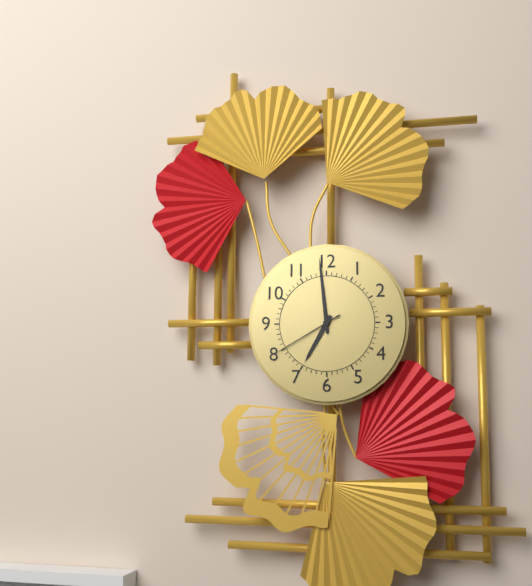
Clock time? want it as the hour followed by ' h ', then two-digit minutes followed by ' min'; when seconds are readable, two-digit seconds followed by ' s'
6 h 59 min 40 s
